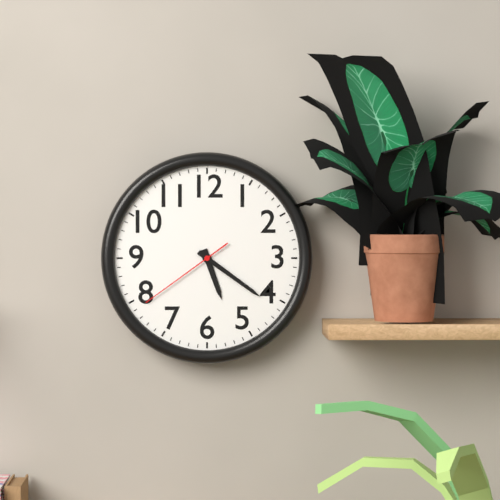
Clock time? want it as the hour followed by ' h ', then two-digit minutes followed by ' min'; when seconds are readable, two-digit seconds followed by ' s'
5 h 21 min 39 s
